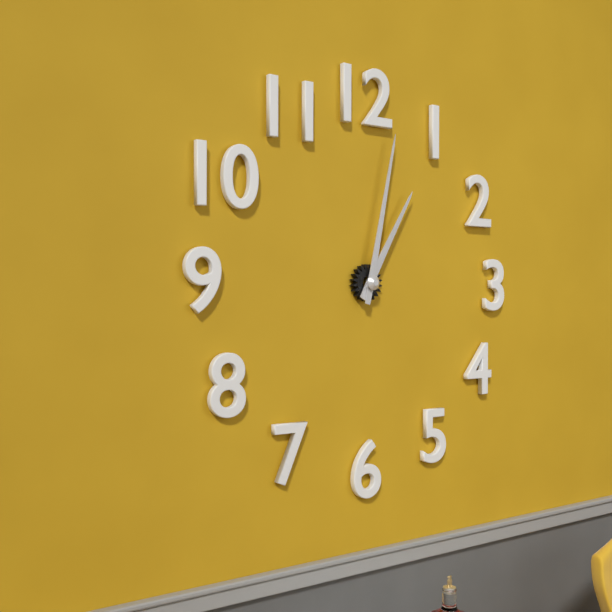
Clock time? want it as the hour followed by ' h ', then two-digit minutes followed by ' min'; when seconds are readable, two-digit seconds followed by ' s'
1 h 02 min
